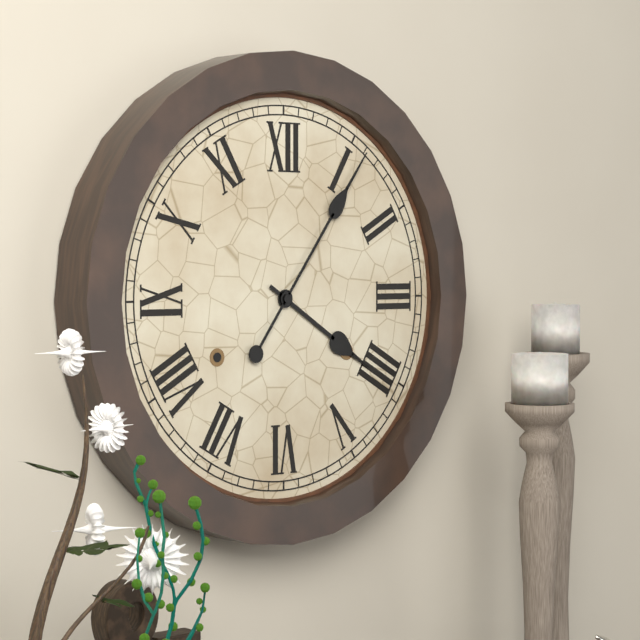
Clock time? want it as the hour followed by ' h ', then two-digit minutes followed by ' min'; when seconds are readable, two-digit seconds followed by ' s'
4 h 06 min
